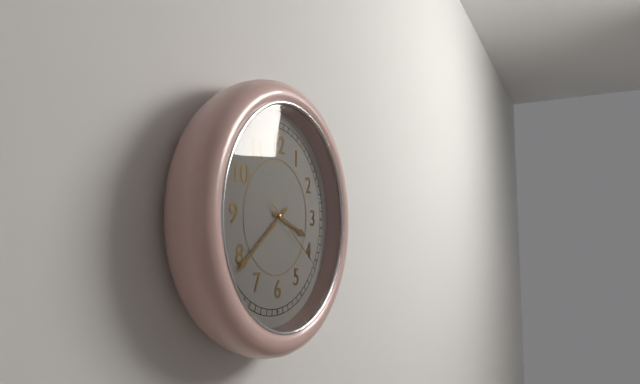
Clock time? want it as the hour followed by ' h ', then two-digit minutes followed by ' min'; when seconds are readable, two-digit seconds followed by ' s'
3 h 39 min 21 s
